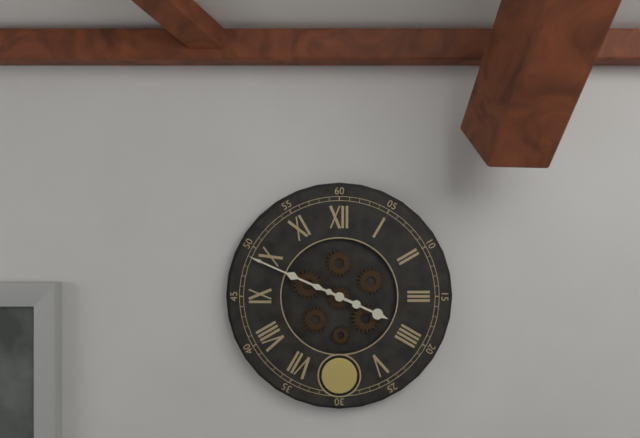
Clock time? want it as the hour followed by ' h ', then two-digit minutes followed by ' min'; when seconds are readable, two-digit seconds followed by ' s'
3 h 49 min
